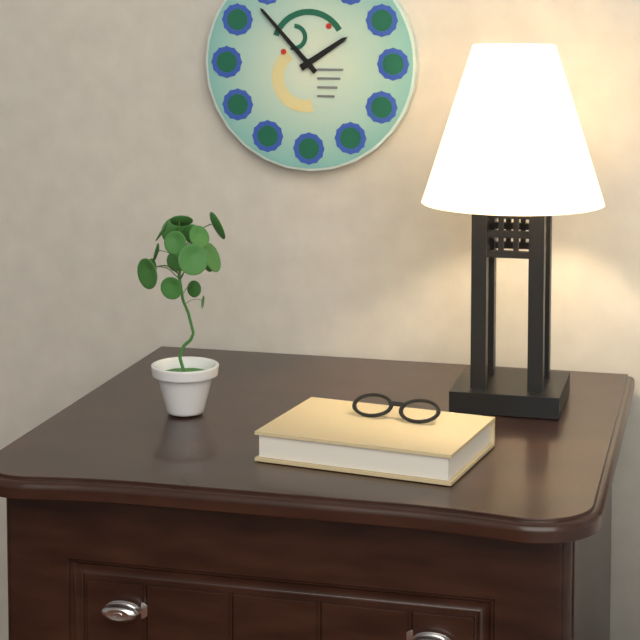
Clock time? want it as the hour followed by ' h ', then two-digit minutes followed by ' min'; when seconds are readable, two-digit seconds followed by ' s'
1 h 53 min
